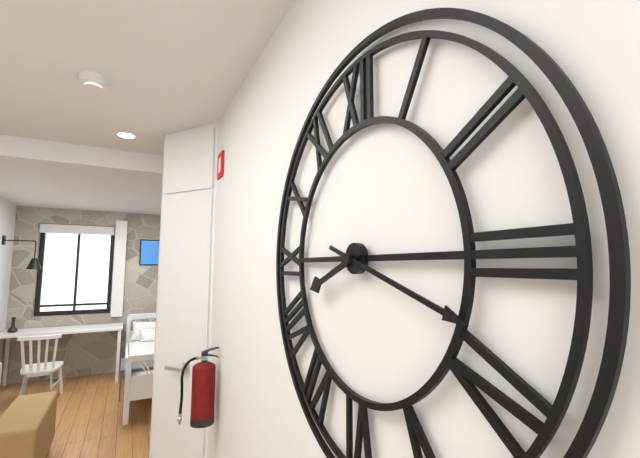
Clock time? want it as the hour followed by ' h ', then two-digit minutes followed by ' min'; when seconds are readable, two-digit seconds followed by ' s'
8 h 18 min
